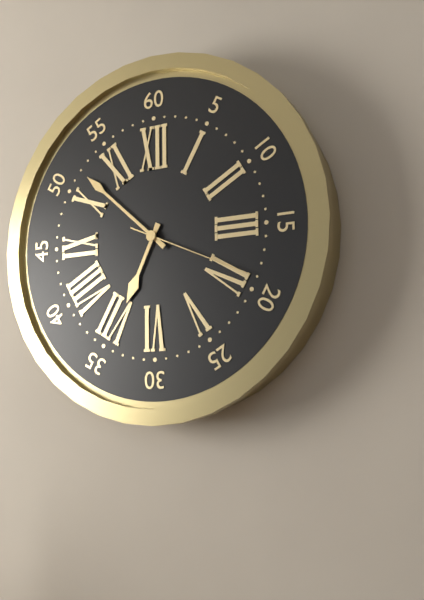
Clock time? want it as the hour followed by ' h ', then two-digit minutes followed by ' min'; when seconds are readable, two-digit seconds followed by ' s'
6 h 52 min 19 s
